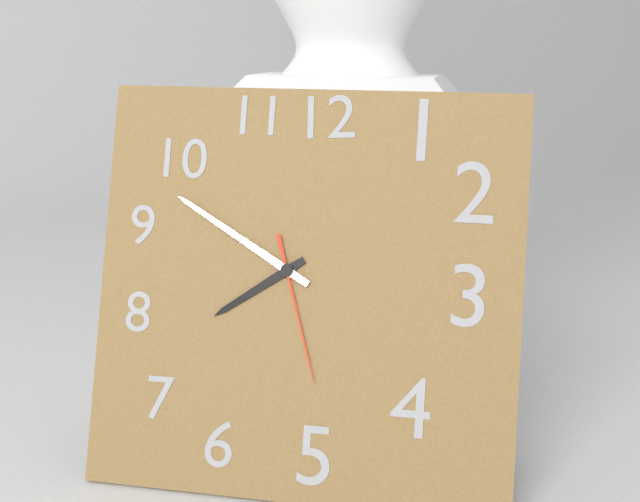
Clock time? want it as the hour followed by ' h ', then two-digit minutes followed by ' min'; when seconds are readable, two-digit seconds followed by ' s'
7 h 50 min 27 s
